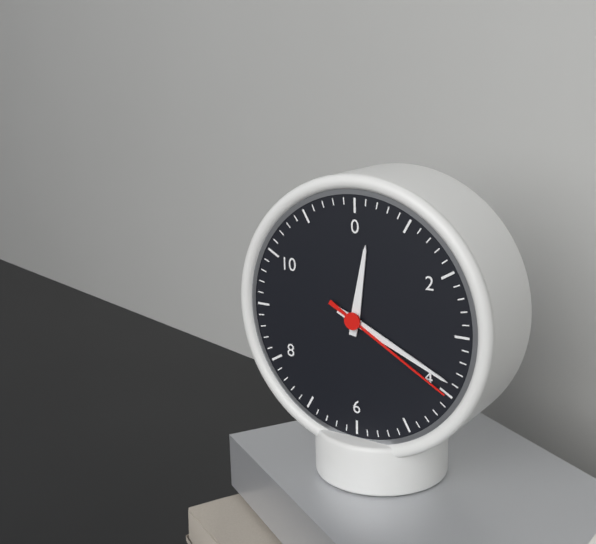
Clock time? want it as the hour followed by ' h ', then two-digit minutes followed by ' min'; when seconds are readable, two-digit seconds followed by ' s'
12 h 19 min 20 s
